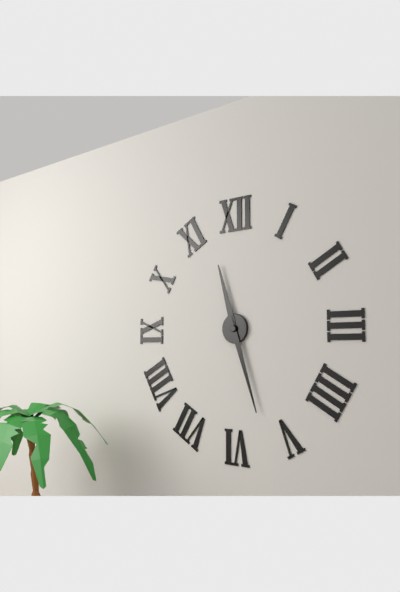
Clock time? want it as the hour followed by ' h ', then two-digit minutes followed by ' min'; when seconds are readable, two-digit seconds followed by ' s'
11 h 27 min
